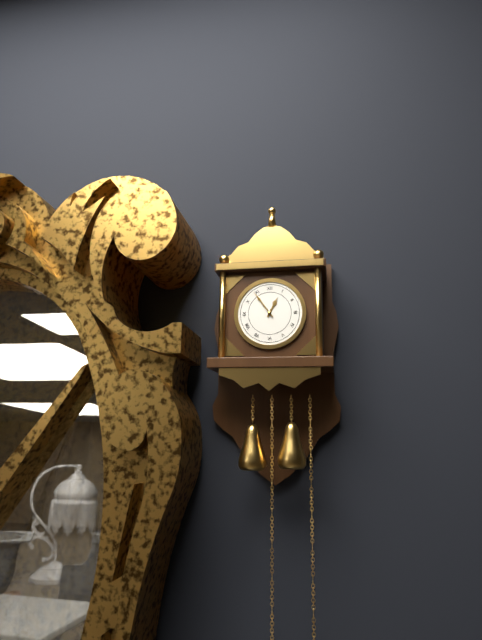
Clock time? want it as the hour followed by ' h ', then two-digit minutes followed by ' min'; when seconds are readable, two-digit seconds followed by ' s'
12 h 54 min
